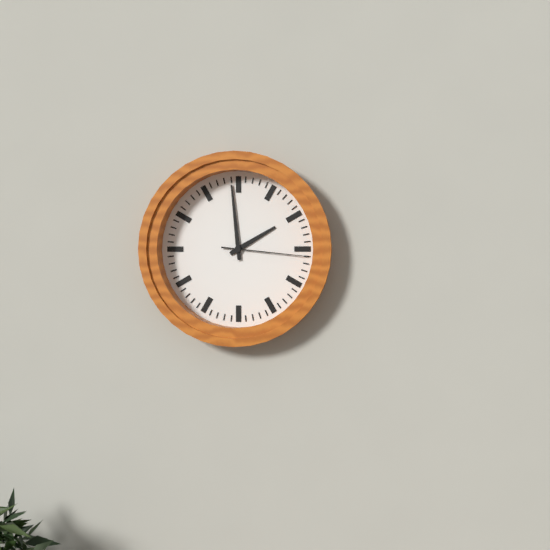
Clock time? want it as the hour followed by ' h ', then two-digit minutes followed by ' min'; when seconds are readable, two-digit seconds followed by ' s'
1 h 59 min 16 s
